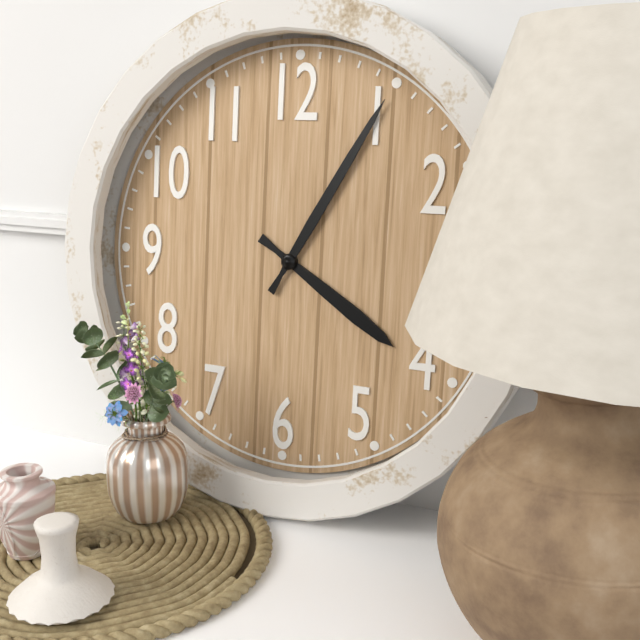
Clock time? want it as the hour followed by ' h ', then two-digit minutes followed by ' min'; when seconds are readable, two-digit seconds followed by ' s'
4 h 05 min
